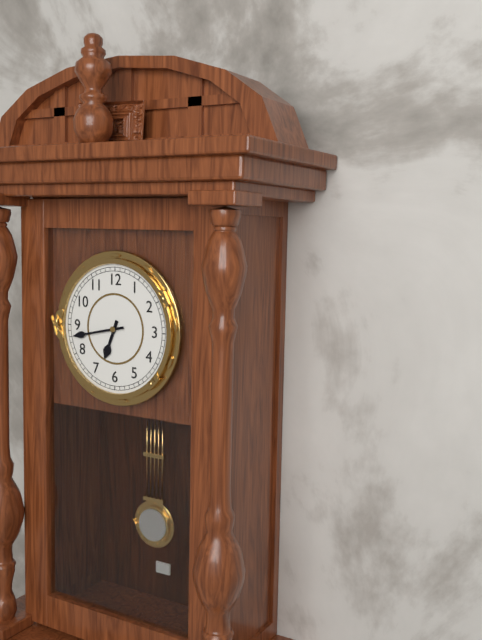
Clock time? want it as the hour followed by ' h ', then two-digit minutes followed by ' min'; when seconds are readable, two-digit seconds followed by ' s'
6 h 43 min
